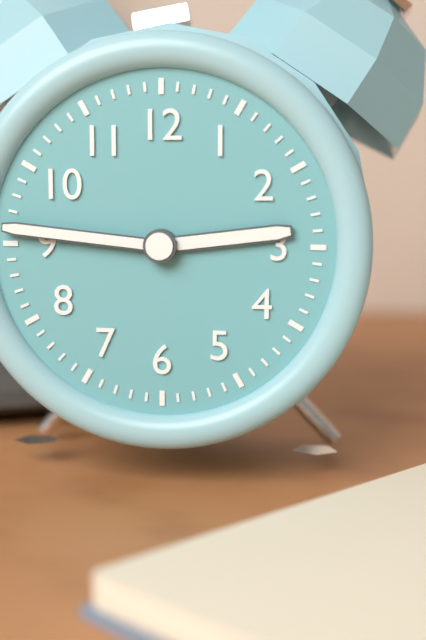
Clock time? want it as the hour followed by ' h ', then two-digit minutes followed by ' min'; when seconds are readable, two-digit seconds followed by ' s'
2 h 46 min
